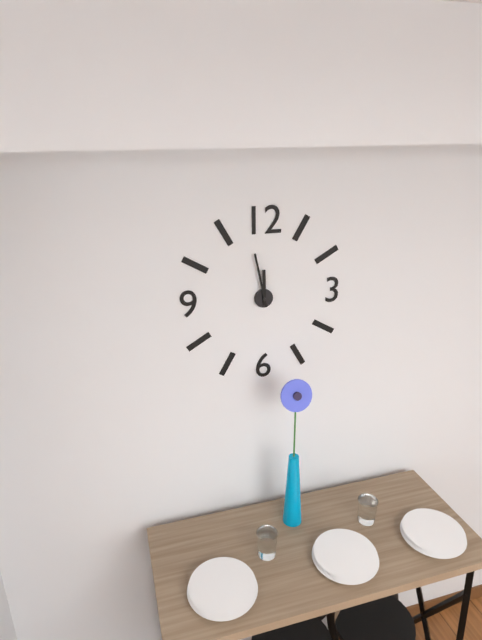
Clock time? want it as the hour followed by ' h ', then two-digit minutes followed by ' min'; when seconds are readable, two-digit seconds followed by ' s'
11 h 58 min
